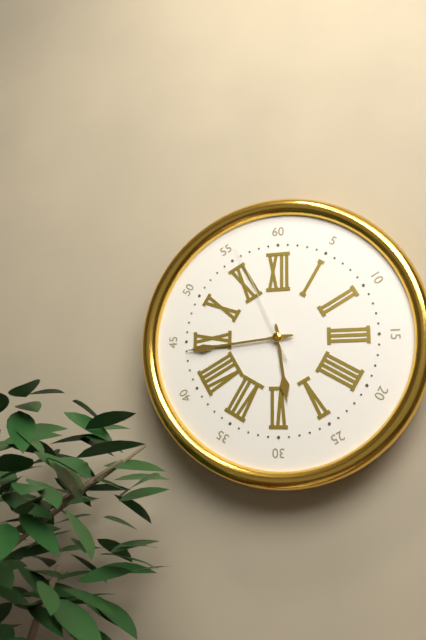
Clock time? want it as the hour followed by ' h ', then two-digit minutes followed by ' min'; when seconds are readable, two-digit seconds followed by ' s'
5 h 44 min 56 s
